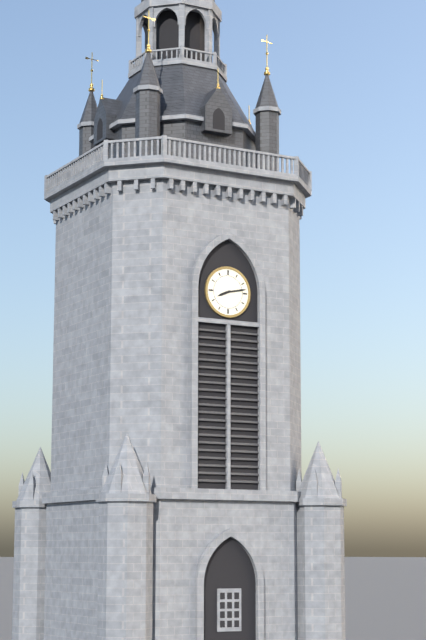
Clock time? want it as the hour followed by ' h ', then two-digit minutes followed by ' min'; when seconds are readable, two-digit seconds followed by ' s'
8 h 13 min
